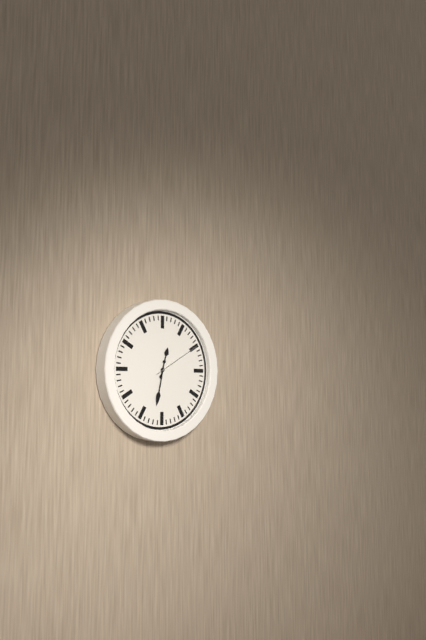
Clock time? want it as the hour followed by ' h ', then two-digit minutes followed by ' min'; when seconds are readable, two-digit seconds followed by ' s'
12 h 32 min 10 s
